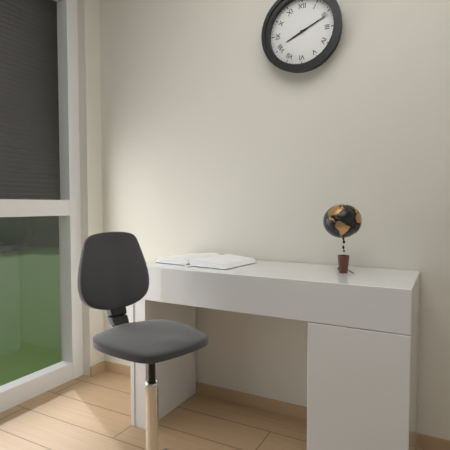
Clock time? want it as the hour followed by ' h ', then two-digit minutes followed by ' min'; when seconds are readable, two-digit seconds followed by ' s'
8 h 11 min
